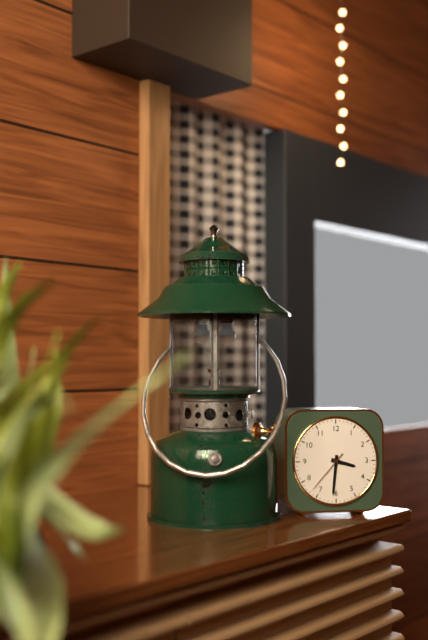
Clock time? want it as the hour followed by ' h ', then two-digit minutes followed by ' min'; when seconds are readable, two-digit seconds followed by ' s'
3 h 31 min
